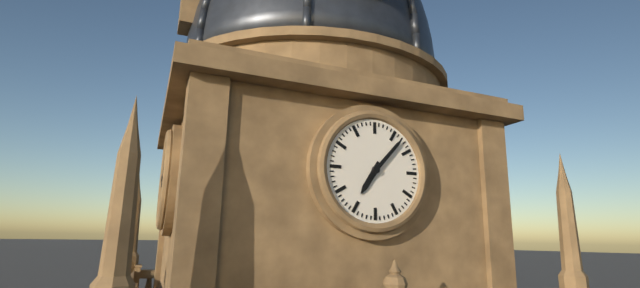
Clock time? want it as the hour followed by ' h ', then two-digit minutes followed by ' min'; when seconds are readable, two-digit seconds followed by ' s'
7 h 07 min
